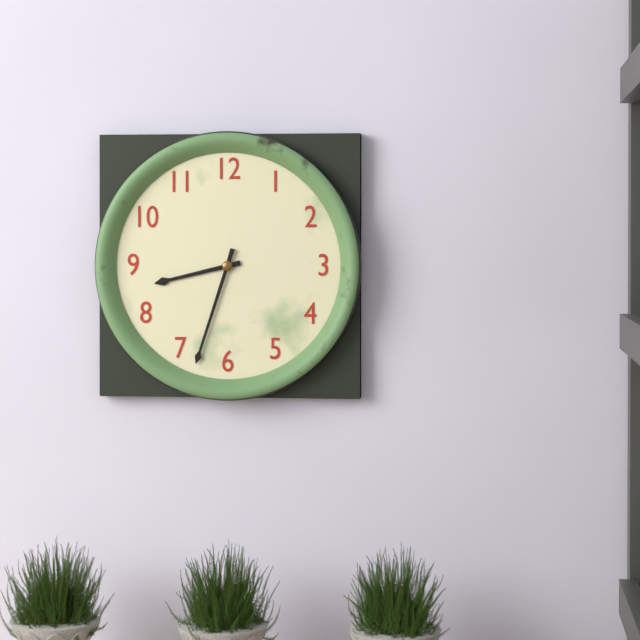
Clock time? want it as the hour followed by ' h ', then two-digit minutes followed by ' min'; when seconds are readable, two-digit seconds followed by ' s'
8 h 33 min
